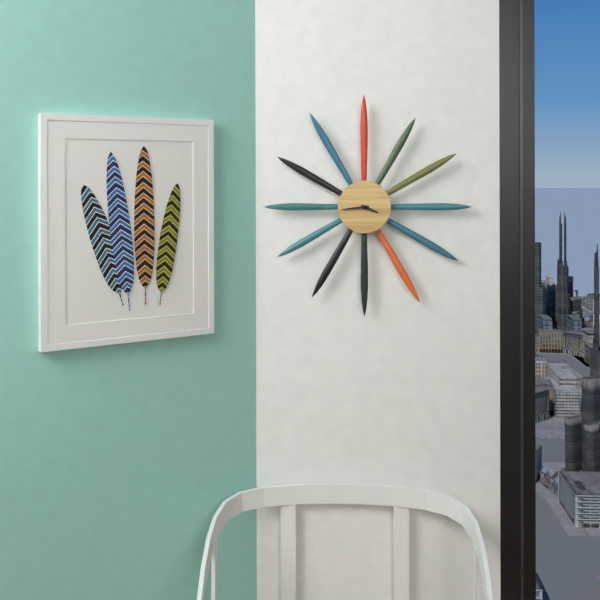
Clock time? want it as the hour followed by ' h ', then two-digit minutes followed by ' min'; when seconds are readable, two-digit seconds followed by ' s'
3 h 44 min
